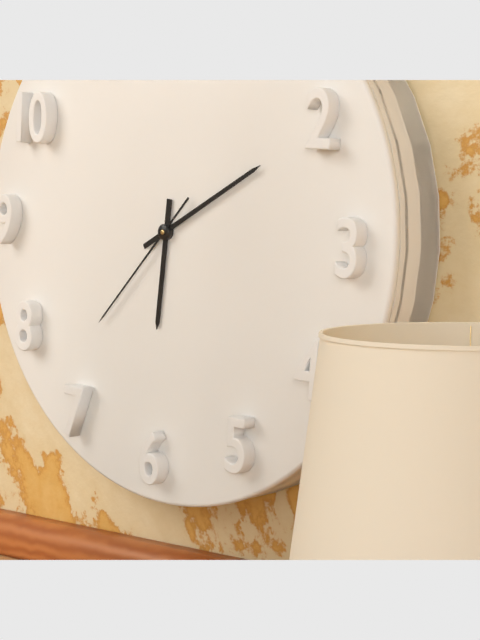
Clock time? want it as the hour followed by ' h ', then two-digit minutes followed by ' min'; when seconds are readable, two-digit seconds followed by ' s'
6 h 10 min 37 s
